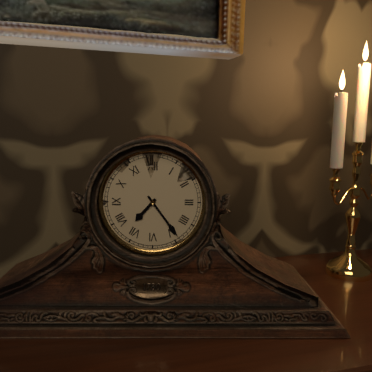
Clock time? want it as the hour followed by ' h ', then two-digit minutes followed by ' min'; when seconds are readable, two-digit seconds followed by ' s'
7 h 24 min
